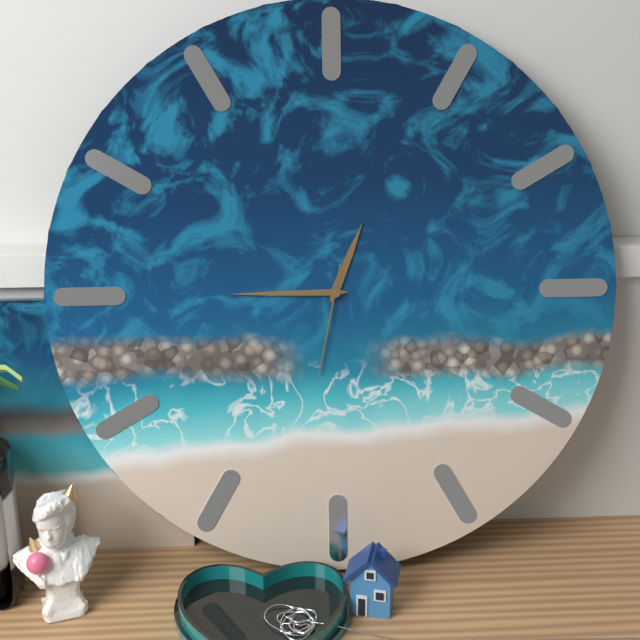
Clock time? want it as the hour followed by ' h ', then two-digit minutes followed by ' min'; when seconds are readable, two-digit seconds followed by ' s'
12 h 45 min 32 s
